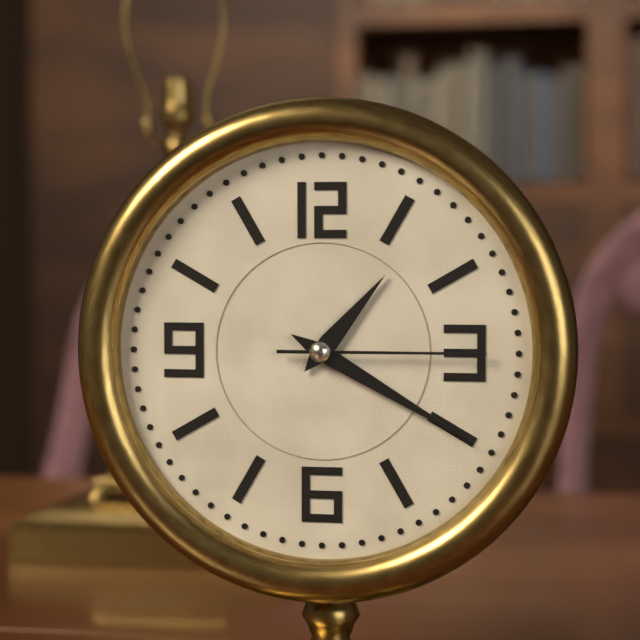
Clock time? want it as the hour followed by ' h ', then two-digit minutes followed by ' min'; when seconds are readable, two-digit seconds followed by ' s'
1 h 20 min 15 s
